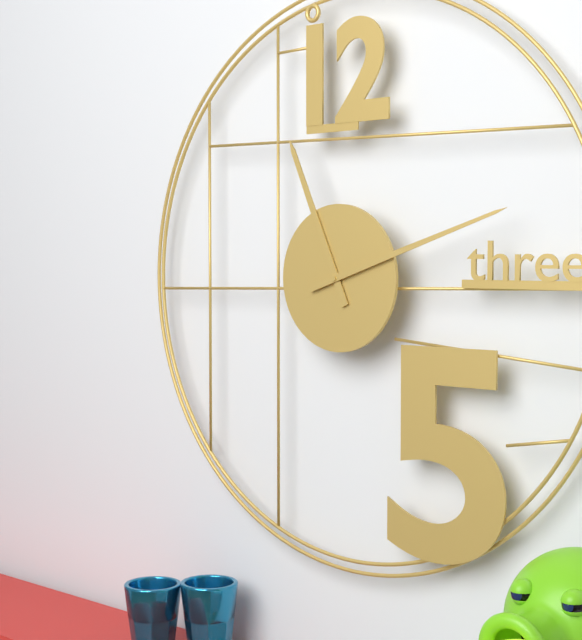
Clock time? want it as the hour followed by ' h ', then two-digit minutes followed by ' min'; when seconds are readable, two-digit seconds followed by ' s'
11 h 12 min
